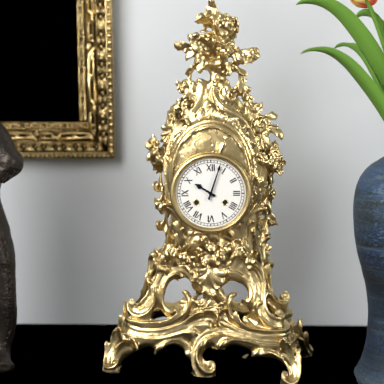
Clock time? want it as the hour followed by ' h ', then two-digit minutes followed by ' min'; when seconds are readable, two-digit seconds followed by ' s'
10 h 03 min
